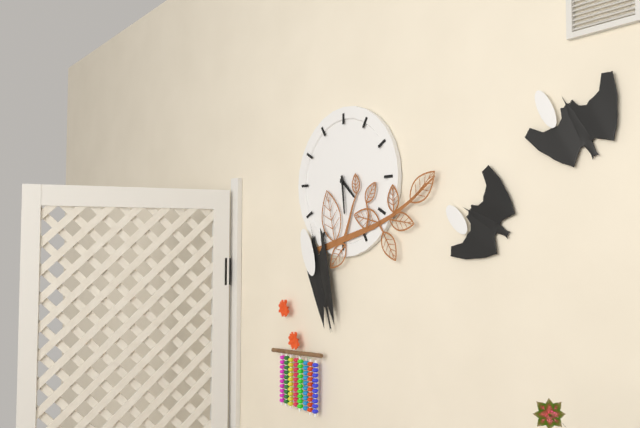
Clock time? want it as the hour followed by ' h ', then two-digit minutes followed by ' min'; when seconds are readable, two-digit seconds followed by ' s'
4 h 29 min
